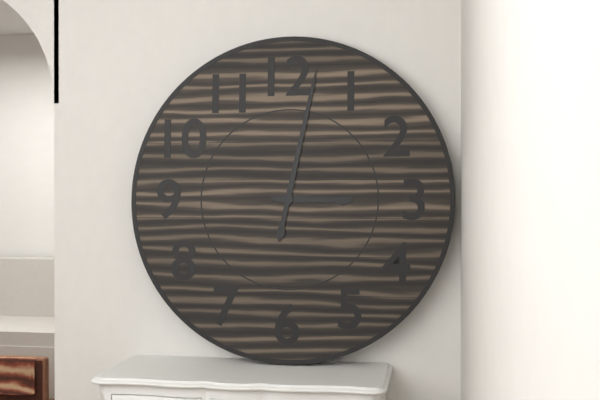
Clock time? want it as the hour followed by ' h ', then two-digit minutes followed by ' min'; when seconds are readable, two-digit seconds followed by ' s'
3 h 02 min
